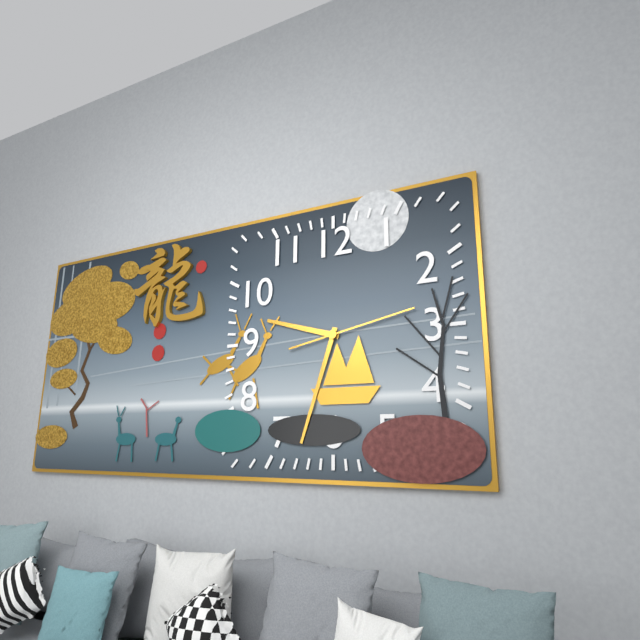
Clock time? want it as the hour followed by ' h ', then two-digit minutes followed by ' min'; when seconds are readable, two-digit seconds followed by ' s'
9 h 33 min 13 s
